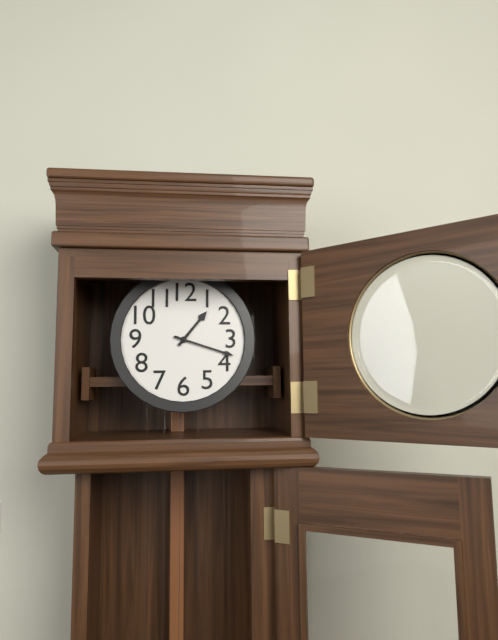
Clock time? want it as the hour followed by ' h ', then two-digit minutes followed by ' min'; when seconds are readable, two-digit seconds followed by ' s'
1 h 18 min
